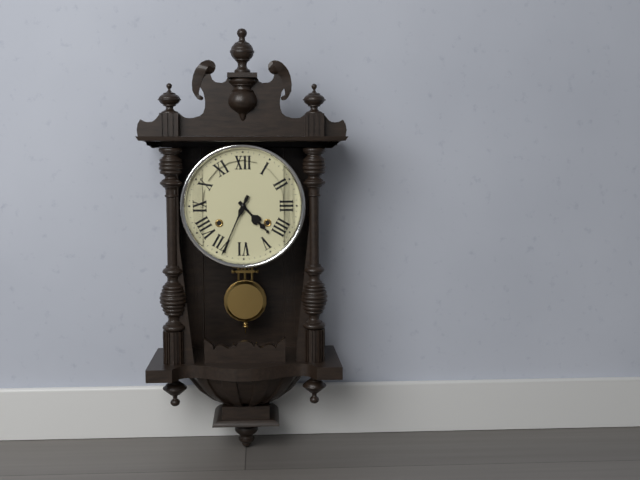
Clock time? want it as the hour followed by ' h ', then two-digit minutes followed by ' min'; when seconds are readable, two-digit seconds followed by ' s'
4 h 34 min
